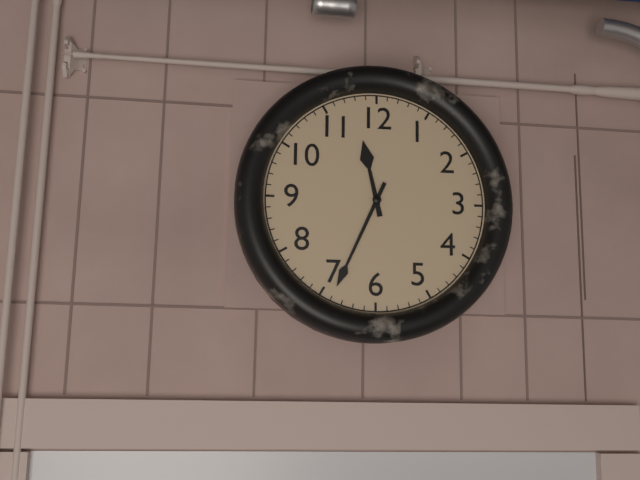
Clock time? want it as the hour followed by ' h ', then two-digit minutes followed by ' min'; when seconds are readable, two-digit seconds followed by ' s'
11 h 34 min
